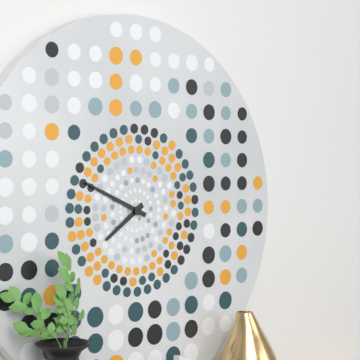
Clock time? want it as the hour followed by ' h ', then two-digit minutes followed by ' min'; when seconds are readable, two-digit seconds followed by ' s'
7 h 49 min
